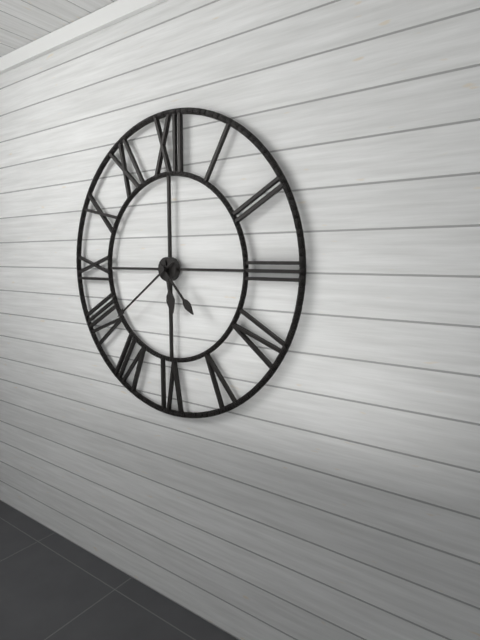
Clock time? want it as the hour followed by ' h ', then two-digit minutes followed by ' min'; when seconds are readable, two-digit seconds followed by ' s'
5 h 39 min 23 s
